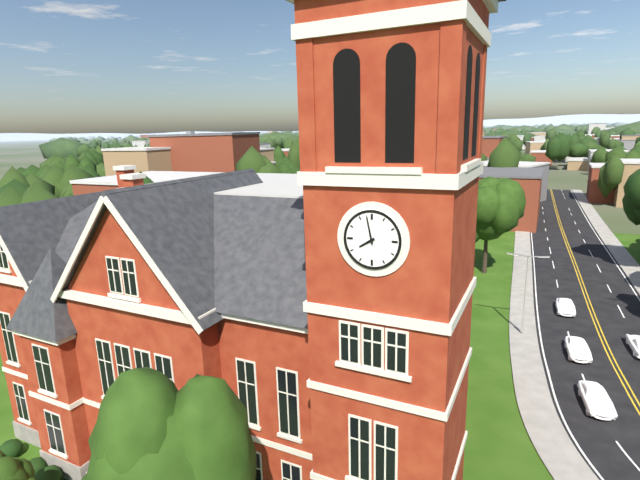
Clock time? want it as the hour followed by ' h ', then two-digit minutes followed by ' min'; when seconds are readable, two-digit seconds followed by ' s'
7 h 58 min
